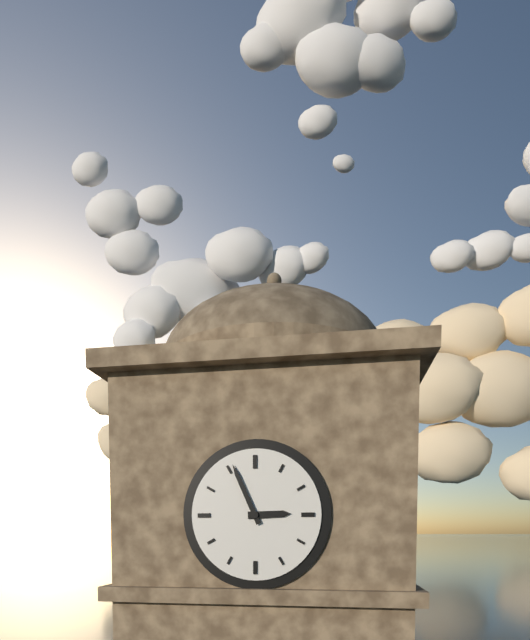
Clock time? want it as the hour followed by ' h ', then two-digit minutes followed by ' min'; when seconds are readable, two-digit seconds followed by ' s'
2 h 56 min
